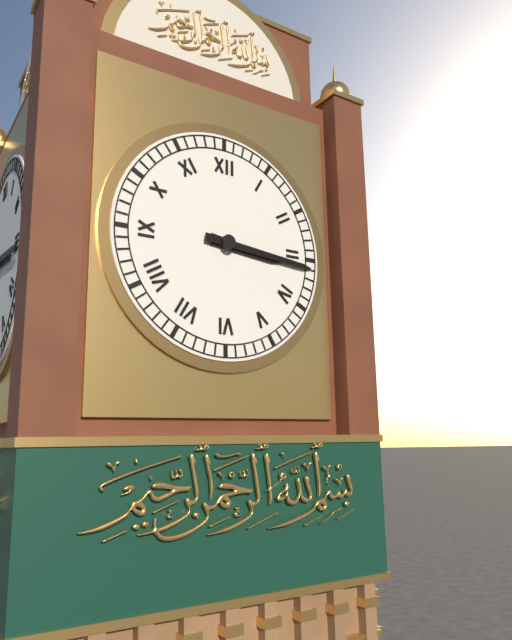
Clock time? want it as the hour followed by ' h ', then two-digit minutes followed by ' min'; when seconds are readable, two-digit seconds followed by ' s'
3 h 16 min
